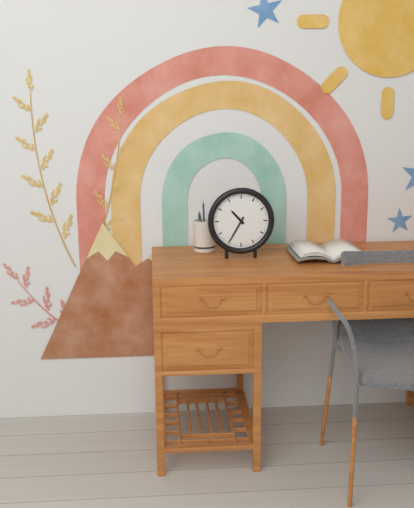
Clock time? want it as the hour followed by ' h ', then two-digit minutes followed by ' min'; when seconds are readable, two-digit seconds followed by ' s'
10 h 35 min
